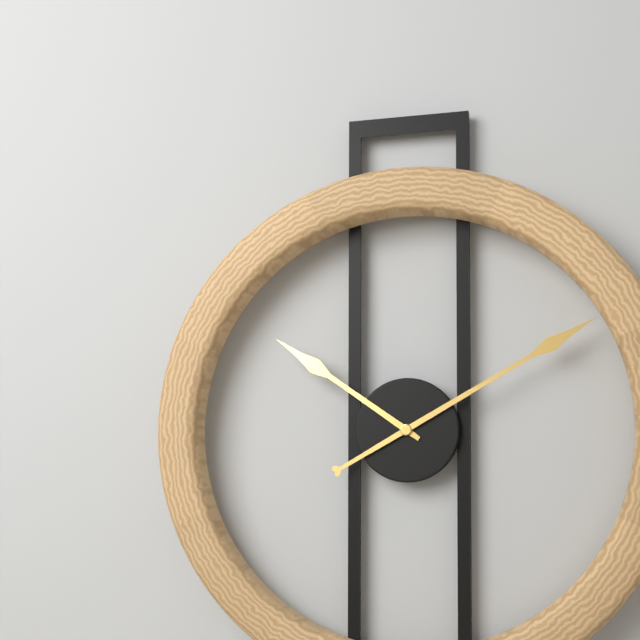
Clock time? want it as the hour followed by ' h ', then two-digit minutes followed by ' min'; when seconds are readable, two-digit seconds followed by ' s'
10 h 10 min
